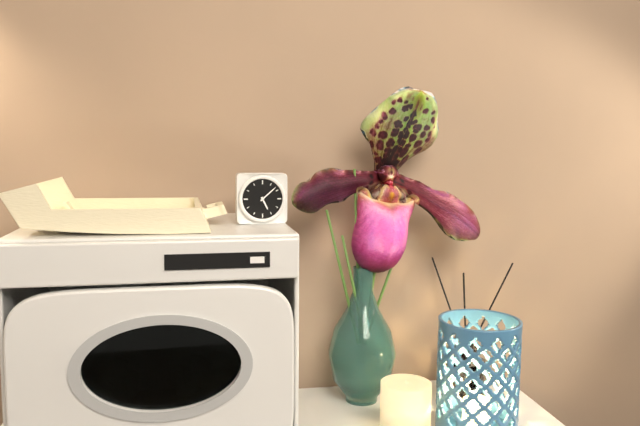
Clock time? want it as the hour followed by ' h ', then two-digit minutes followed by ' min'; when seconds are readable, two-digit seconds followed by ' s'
5 h 08 min
